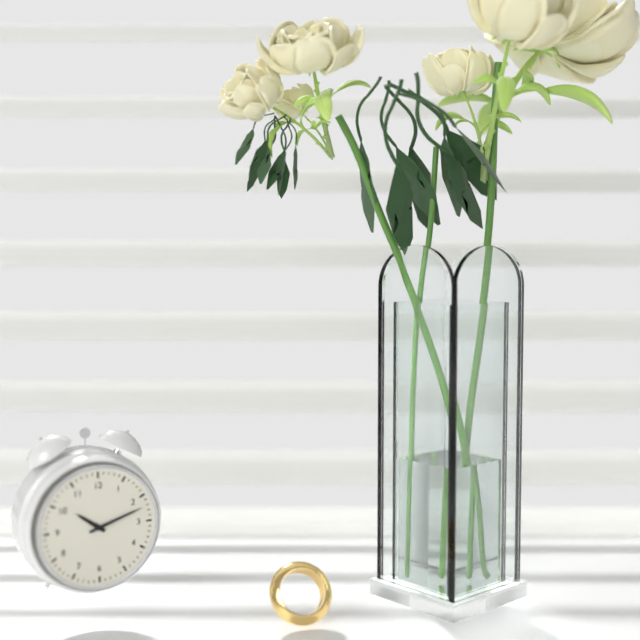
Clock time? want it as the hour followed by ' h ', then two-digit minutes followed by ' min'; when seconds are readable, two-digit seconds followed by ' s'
10 h 12 min
